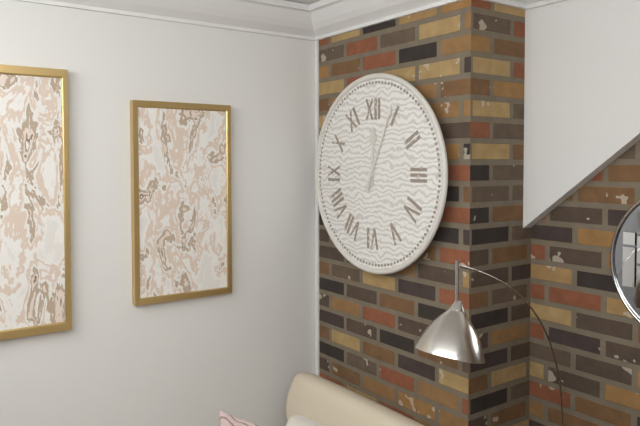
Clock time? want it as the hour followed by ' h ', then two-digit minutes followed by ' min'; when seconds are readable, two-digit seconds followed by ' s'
12 h 04 min
